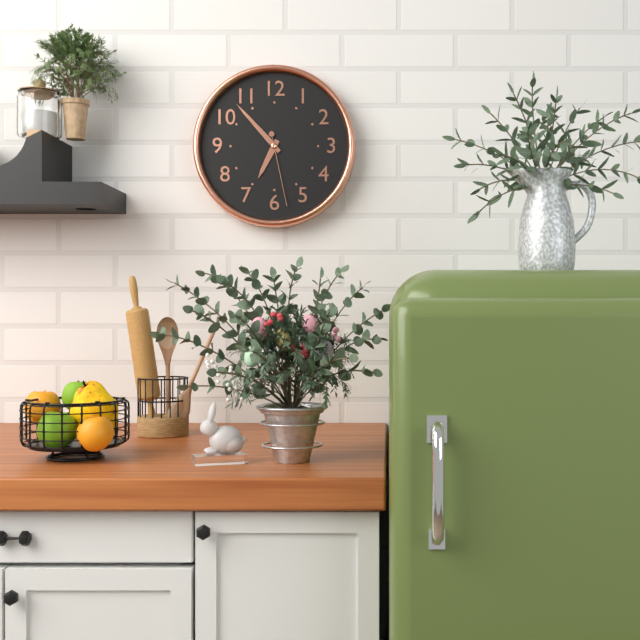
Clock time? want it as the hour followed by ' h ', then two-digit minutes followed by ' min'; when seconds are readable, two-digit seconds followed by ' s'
6 h 53 min 28 s
